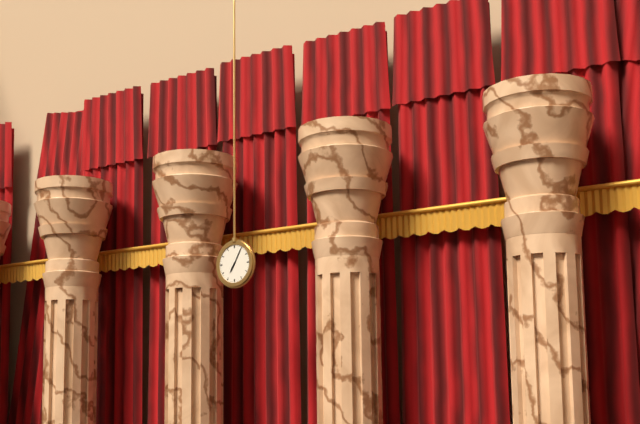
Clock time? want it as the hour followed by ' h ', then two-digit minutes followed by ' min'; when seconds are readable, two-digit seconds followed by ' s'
7 h 05 min
